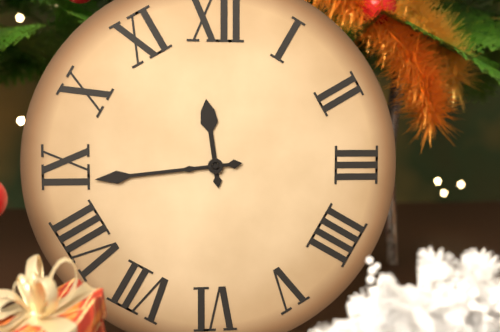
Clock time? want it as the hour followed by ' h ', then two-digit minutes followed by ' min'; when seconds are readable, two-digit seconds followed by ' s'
11 h 44 min
